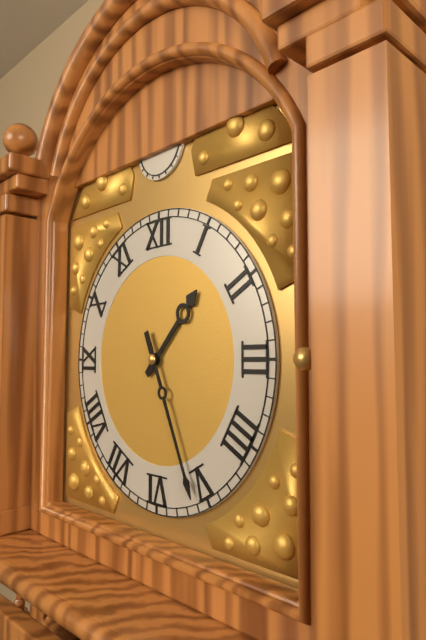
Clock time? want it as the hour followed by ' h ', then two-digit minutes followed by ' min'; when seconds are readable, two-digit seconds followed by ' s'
1 h 26 min
